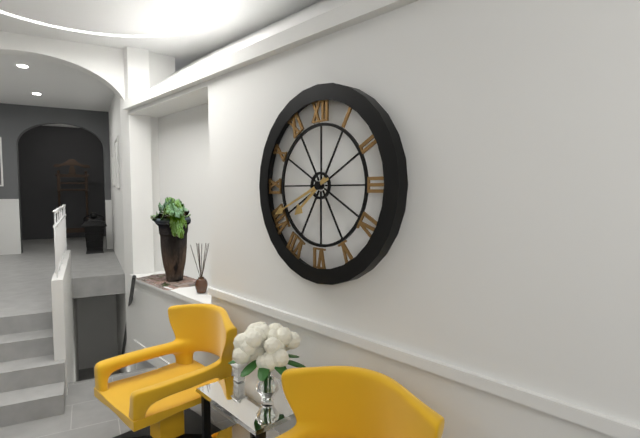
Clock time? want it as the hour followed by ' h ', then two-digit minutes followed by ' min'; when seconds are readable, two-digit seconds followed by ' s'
7 h 41 min
